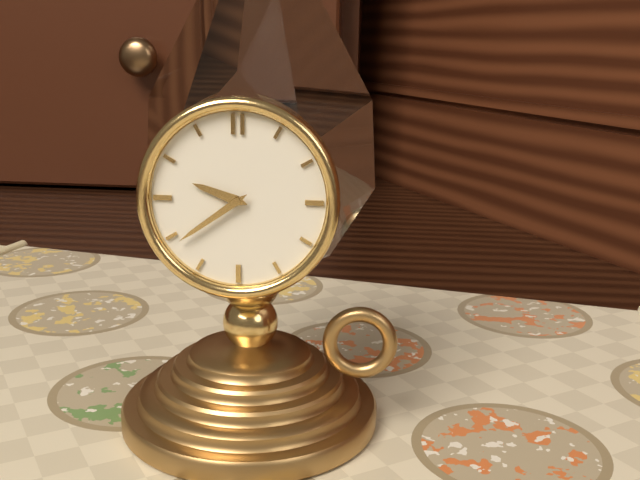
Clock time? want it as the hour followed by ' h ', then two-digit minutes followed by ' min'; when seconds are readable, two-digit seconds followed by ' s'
9 h 39 min
